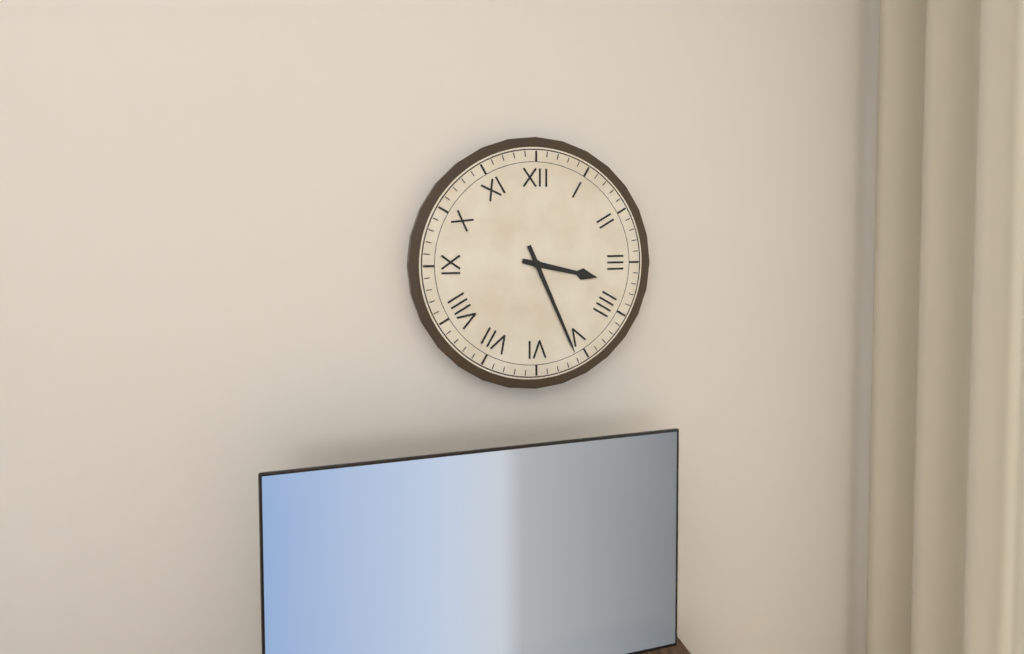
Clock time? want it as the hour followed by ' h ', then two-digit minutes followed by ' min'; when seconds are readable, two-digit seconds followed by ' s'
3 h 26 min
